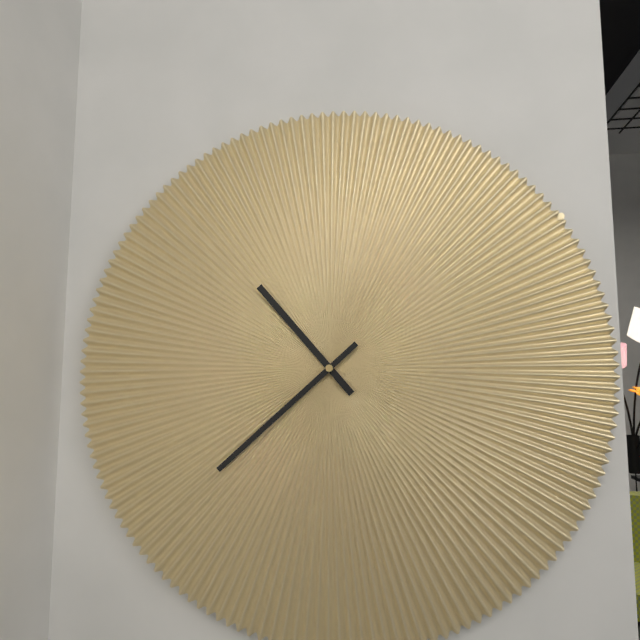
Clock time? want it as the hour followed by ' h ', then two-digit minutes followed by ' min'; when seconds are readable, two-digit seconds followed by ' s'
10 h 38 min
